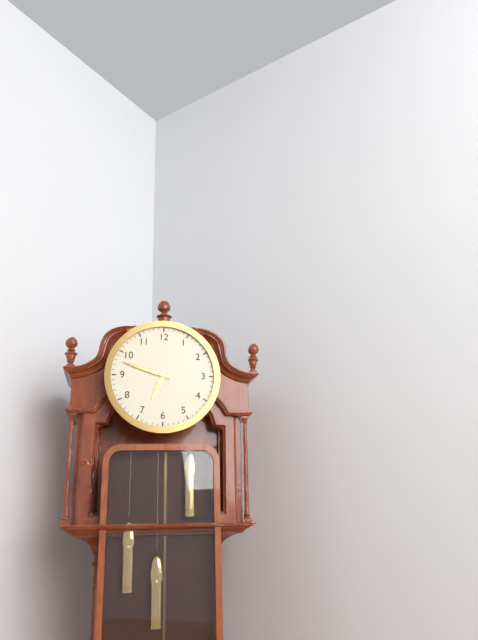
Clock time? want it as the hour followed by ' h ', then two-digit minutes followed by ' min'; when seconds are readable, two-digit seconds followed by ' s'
6 h 48 min
